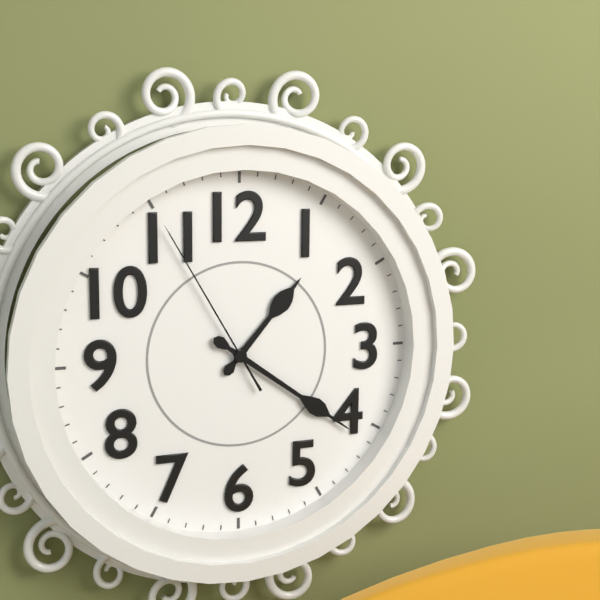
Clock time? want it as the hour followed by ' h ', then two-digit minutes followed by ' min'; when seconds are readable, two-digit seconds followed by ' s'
1 h 21 min 55 s
